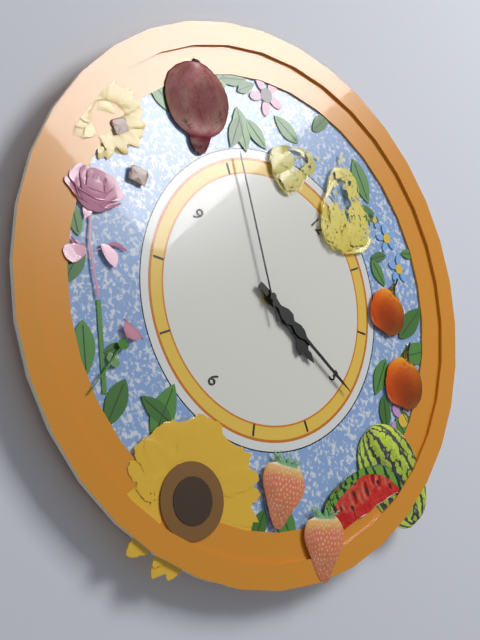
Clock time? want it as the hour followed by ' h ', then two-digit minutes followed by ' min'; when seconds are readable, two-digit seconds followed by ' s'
3 h 15 min 51 s
